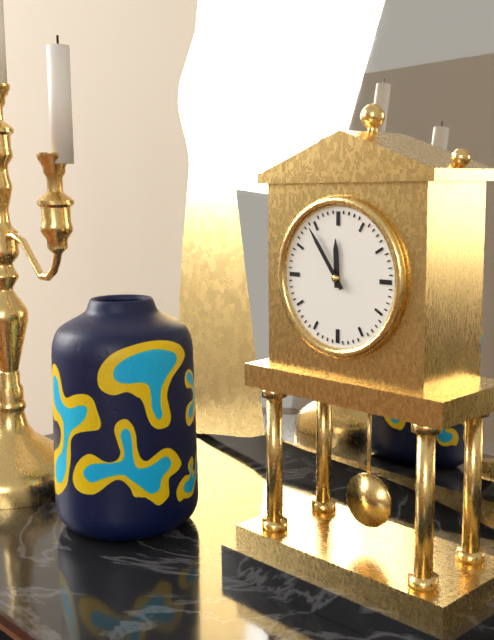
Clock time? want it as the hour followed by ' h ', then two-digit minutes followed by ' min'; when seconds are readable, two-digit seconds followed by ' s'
11 h 54 min
